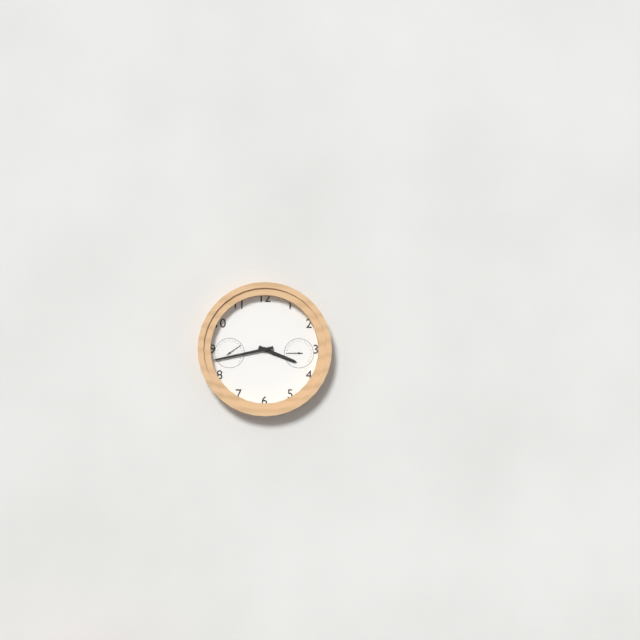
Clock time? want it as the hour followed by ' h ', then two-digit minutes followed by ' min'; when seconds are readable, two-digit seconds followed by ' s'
3 h 43 min
